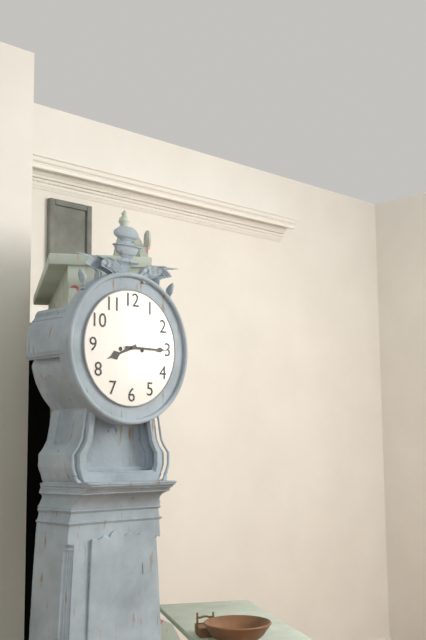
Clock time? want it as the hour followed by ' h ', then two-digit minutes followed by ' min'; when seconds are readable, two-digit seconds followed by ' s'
8 h 15 min
